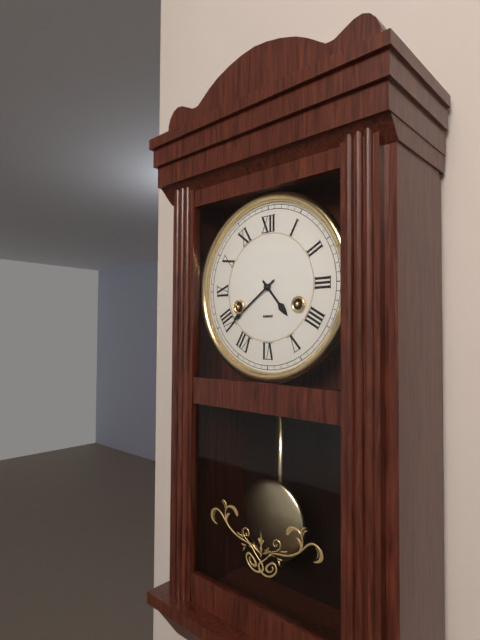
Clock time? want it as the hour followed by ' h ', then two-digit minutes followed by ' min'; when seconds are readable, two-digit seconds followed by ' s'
4 h 39 min
